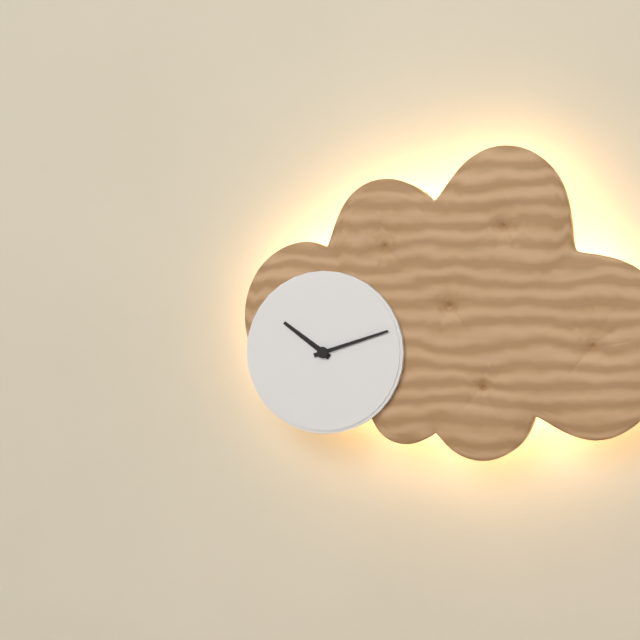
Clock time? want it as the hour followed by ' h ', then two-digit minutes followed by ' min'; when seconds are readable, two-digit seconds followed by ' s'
10 h 12 min
